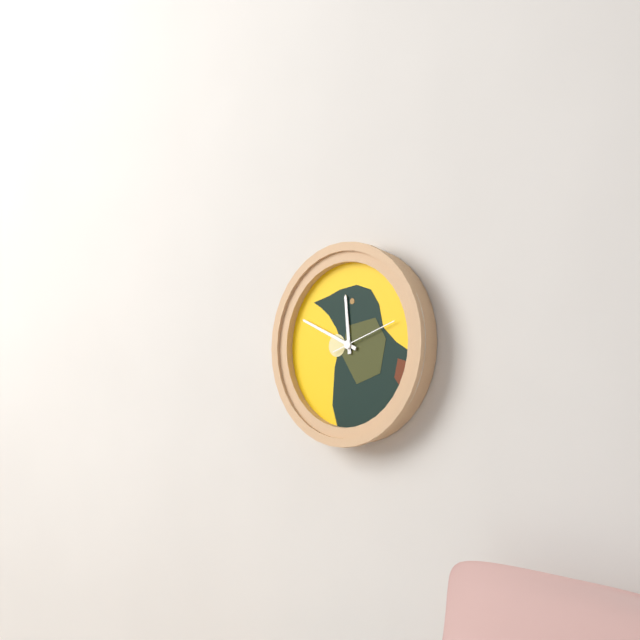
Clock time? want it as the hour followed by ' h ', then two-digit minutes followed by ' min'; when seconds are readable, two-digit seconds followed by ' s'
11 h 49 min 12 s
